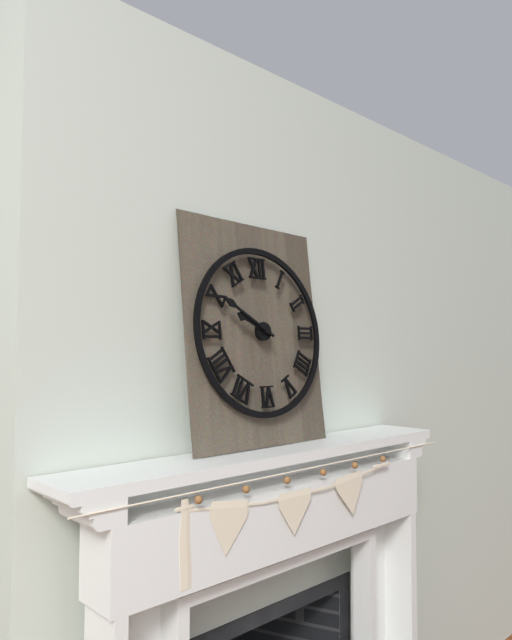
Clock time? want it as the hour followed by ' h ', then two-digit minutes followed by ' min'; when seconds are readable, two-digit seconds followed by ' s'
9 h 50 min
